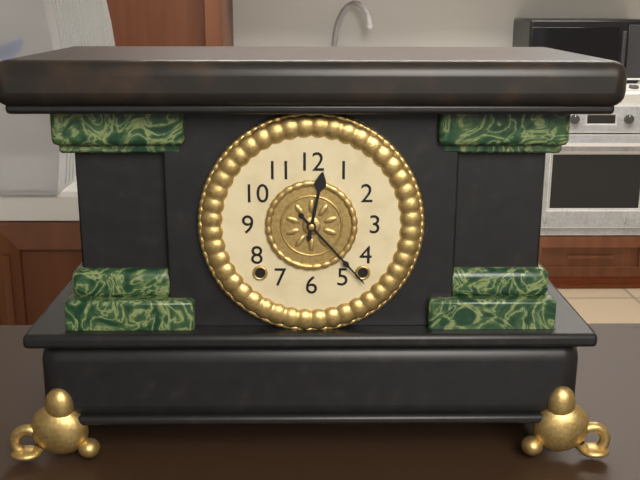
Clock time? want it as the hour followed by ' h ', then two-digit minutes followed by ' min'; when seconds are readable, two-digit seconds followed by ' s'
12 h 23 min
